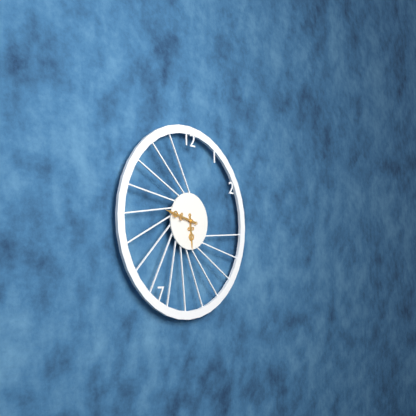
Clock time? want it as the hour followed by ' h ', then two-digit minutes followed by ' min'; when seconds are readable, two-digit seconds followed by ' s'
5 h 47 min
